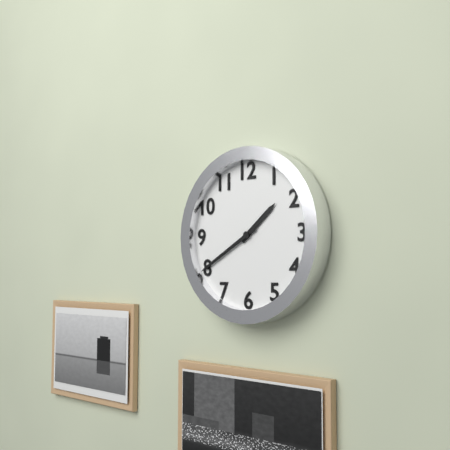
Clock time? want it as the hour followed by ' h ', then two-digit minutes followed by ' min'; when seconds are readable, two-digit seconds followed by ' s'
1 h 40 min
